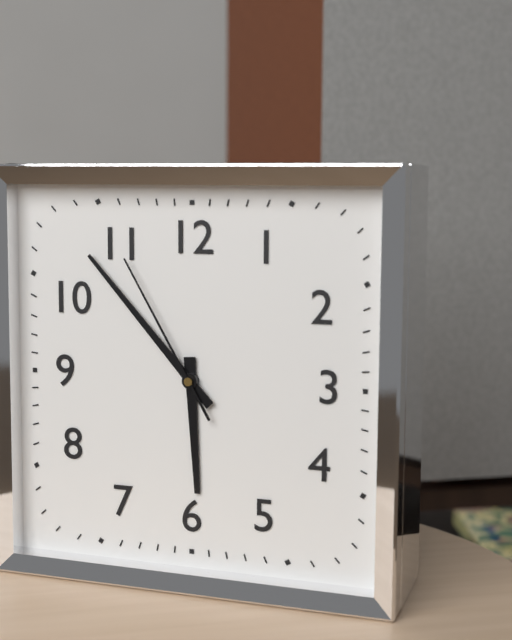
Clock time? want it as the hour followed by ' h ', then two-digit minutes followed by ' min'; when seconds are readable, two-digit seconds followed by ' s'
5 h 53 min 55 s
